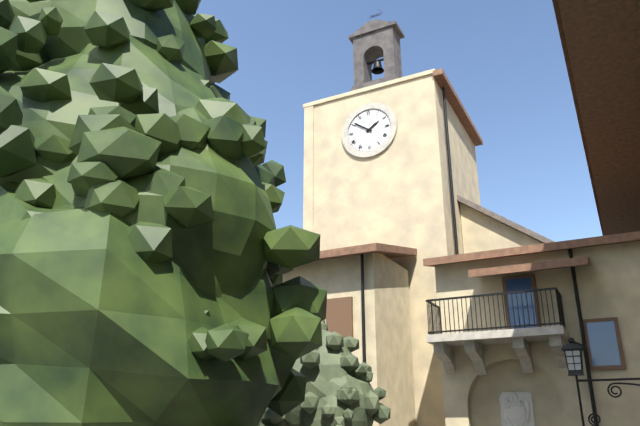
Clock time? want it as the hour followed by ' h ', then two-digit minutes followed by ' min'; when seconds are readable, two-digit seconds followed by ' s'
1 h 51 min
